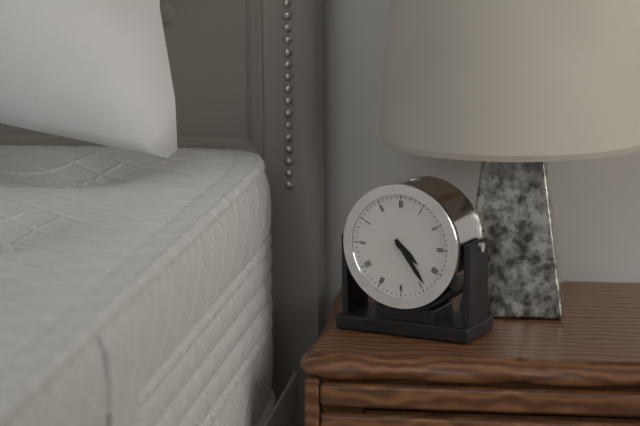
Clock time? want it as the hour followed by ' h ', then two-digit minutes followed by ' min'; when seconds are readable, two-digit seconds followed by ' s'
4 h 24 min
